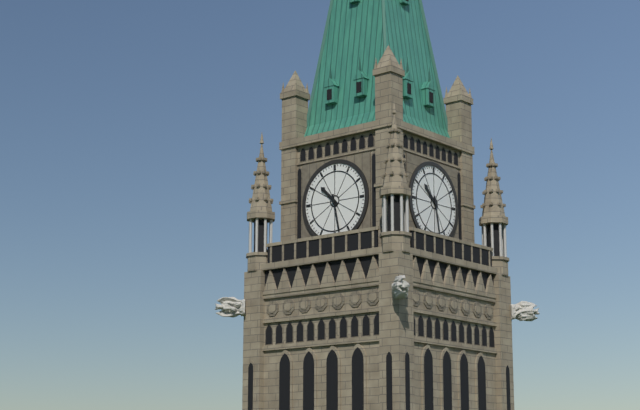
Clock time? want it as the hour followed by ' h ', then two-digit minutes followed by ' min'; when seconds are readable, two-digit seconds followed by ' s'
10 h 28 min
